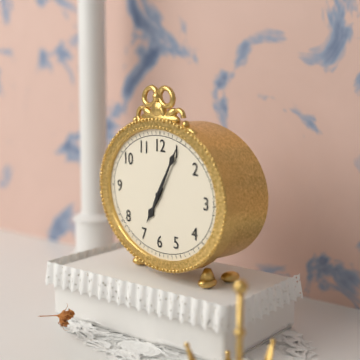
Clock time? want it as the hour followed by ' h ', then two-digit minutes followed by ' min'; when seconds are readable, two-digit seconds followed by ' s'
7 h 05 min
